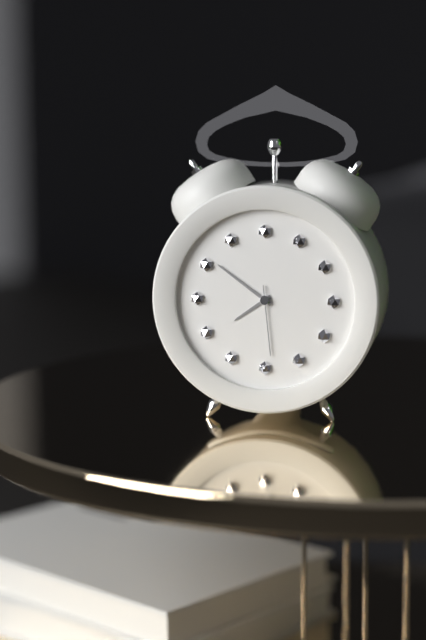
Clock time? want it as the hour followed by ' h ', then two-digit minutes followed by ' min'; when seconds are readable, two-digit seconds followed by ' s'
7 h 51 min 29 s
